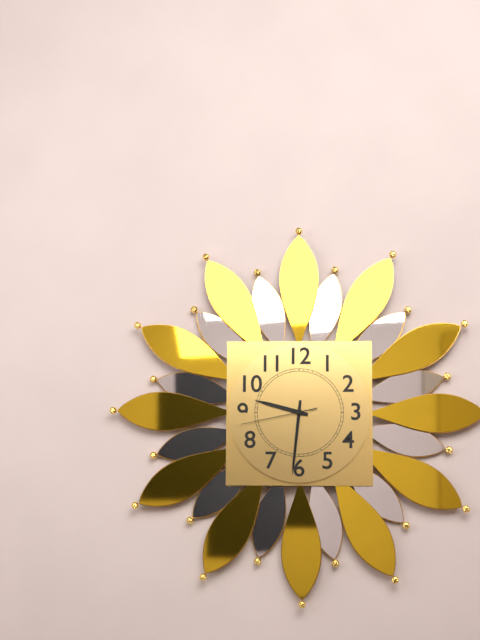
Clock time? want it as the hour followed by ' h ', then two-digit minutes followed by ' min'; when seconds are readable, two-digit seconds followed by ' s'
9 h 31 min 43 s
